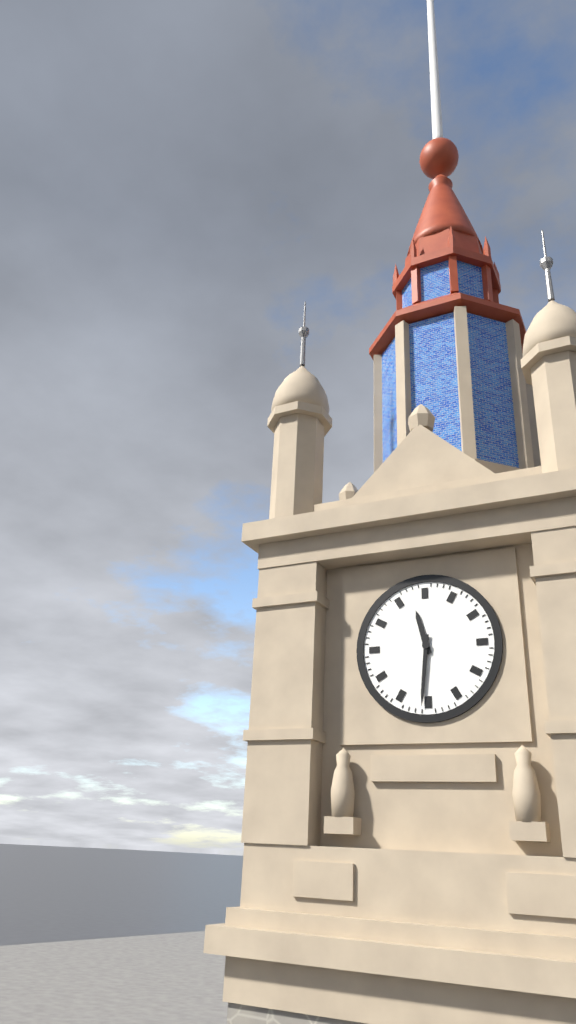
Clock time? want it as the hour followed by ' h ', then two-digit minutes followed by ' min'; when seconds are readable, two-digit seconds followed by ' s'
11 h 31 min
